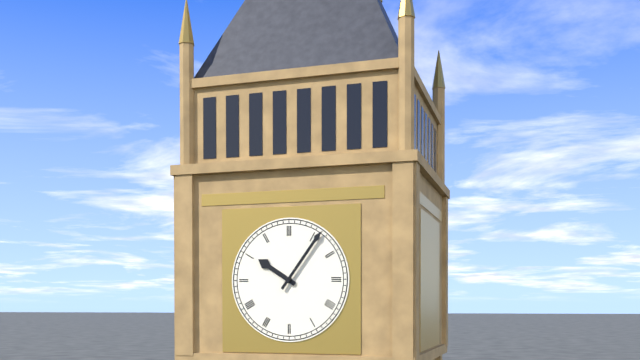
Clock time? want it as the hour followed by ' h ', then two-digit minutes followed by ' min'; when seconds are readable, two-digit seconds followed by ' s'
10 h 06 min
